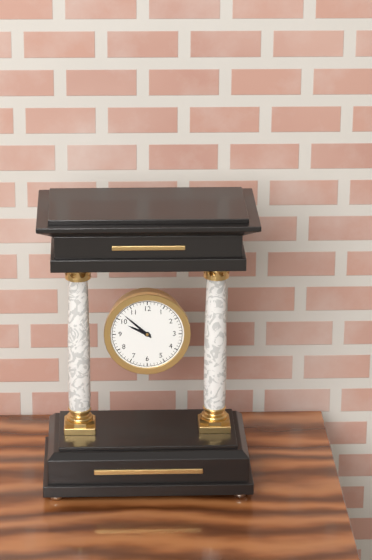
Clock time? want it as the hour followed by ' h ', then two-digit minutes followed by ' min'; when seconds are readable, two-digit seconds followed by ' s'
9 h 52 min
